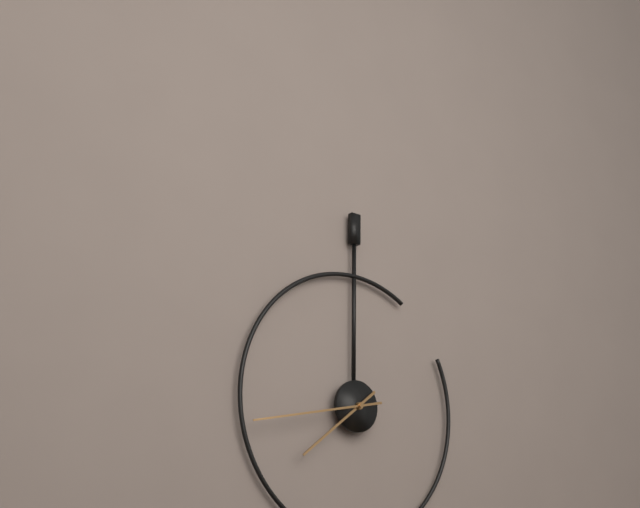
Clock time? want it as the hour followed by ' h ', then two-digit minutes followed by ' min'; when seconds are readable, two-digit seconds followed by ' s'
7 h 43 min
